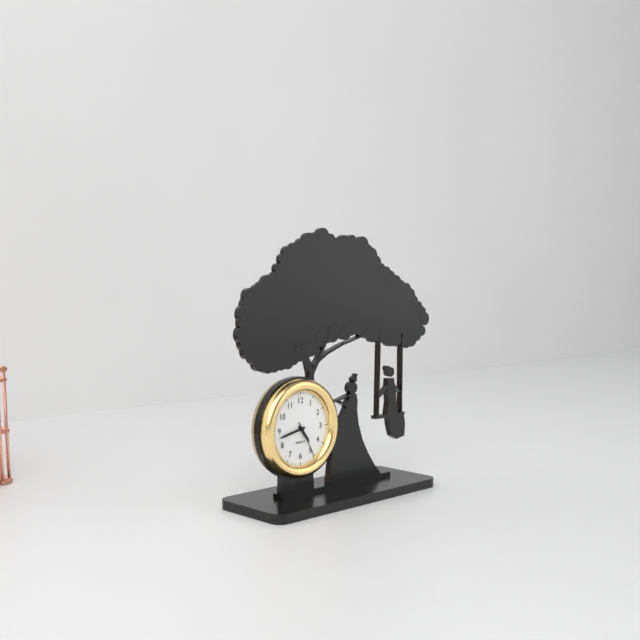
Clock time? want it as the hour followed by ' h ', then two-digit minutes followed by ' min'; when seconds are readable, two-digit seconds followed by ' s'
4 h 43 min
